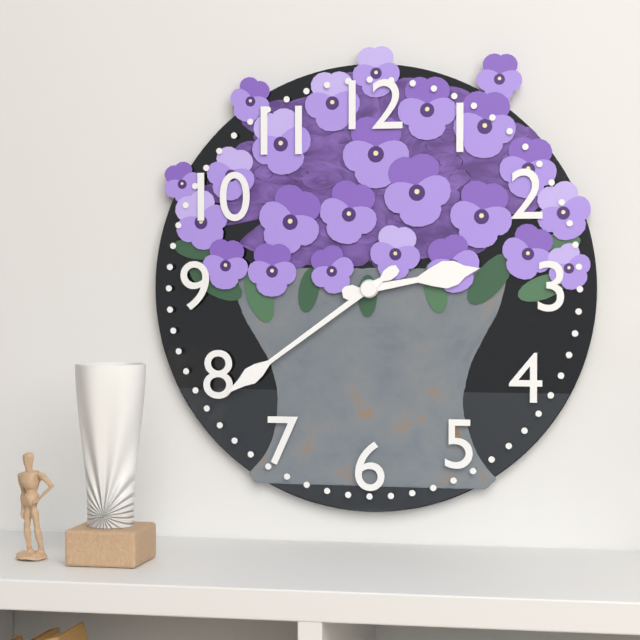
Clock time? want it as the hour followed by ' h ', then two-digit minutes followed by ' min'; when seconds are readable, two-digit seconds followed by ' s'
2 h 39 min
